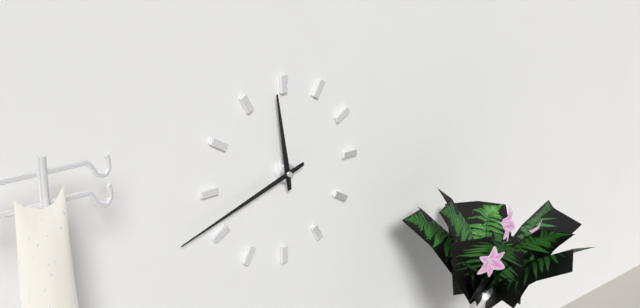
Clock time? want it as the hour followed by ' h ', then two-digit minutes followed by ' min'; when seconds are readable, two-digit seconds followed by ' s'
11 h 42 min
